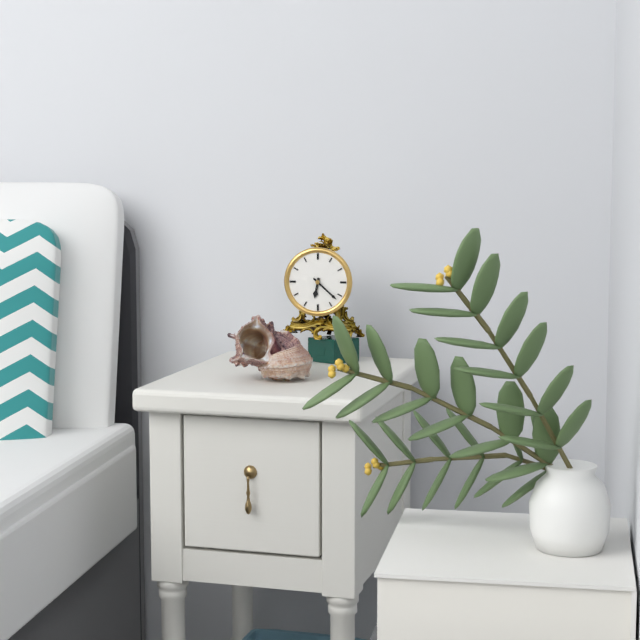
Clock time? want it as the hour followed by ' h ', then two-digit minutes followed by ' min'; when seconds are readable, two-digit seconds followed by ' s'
6 h 22 min
